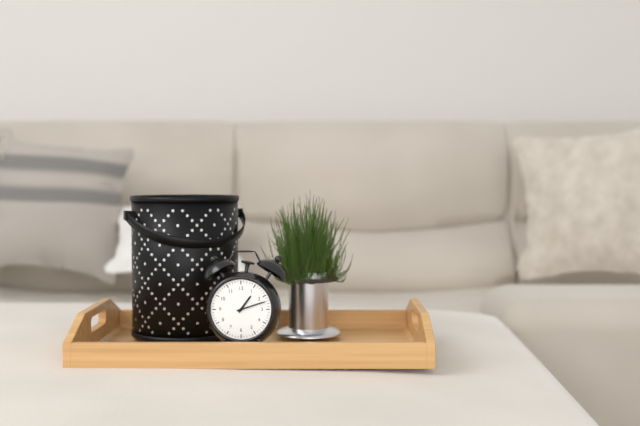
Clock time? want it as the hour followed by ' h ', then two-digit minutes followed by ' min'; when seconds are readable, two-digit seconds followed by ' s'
1 h 12 min
